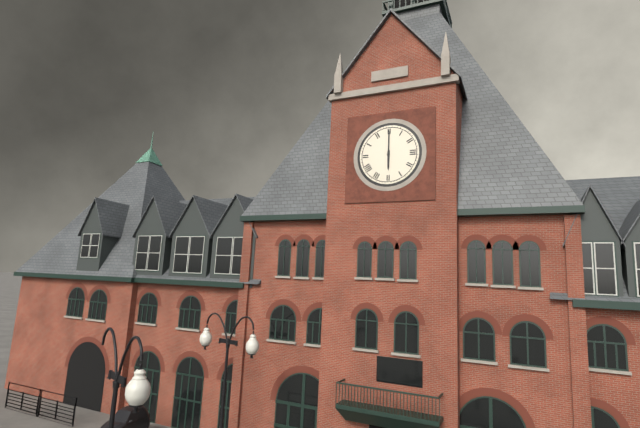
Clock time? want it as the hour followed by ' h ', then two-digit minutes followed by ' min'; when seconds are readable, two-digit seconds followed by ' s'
6 h 00 min
